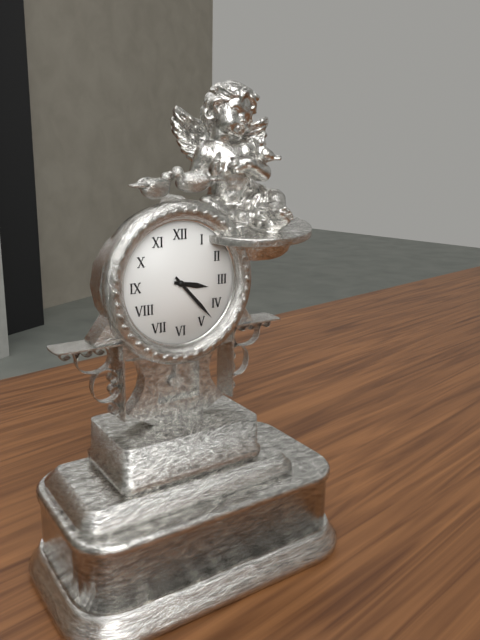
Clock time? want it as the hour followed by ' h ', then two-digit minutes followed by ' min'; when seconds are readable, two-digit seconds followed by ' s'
3 h 23 min
